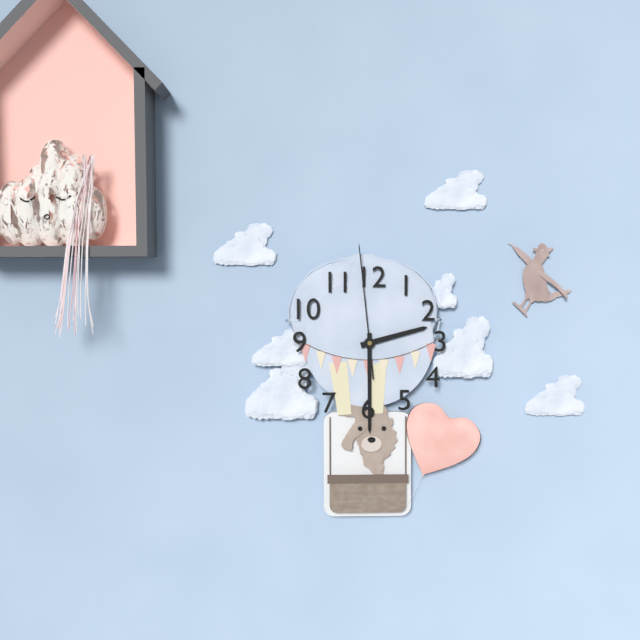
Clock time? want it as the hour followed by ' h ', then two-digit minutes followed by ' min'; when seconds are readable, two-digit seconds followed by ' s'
2 h 30 min 59 s
